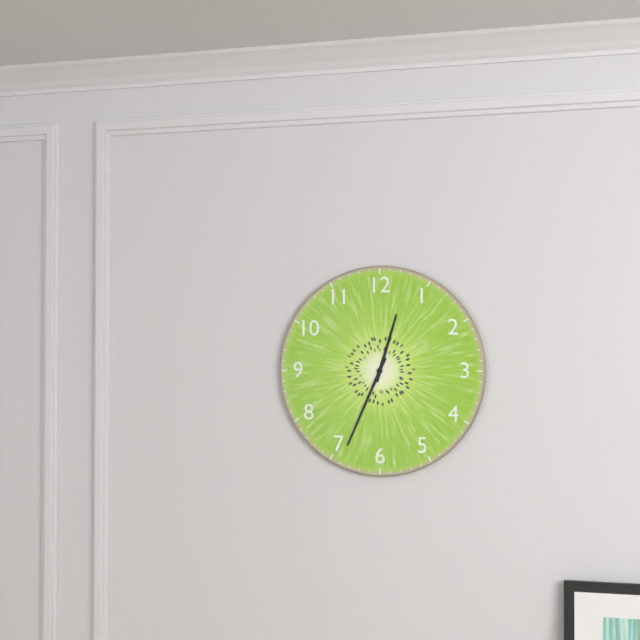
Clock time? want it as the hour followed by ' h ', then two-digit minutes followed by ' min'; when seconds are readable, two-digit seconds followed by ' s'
12 h 34 min
